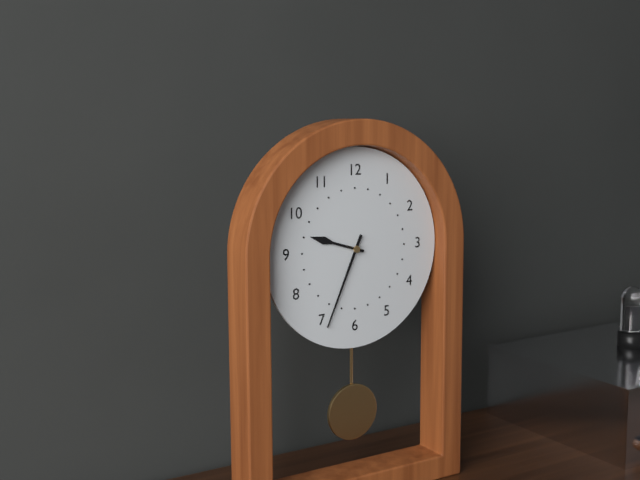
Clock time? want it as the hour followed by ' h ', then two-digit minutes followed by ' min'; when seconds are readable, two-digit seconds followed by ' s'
9 h 34 min
